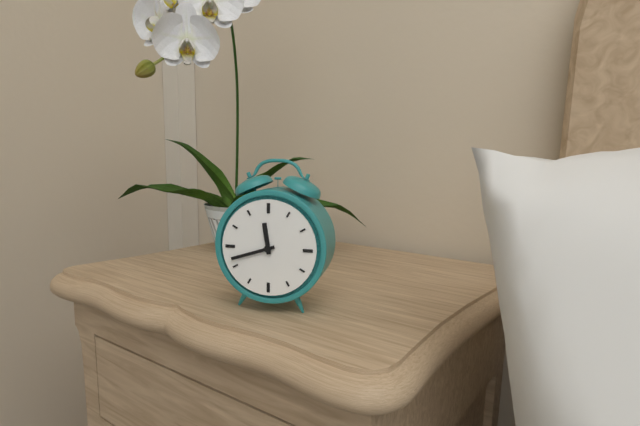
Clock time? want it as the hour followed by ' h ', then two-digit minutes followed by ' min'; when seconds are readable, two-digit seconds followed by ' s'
11 h 42 min
